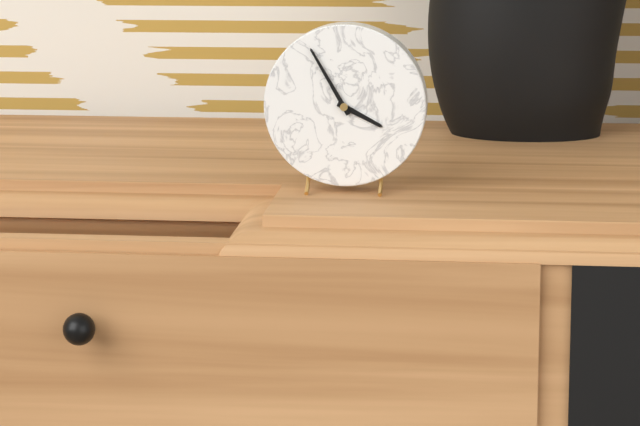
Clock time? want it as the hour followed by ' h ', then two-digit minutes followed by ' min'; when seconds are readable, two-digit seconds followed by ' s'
3 h 55 min
